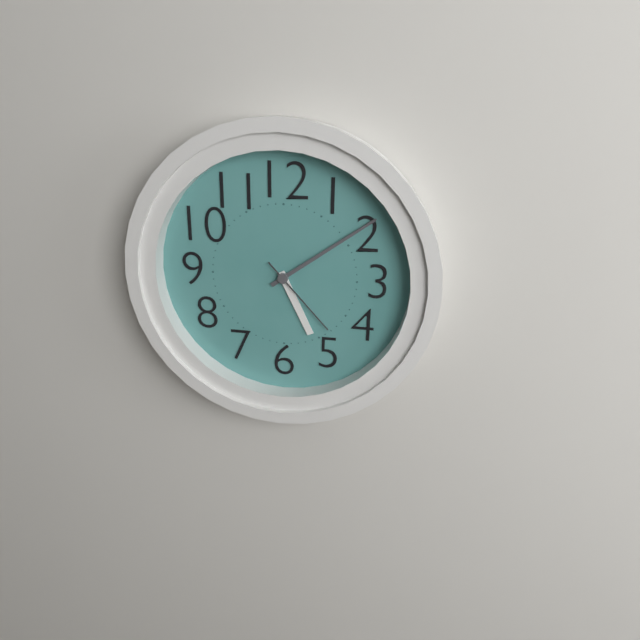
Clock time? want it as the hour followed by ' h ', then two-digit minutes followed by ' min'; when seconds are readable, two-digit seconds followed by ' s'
5 h 09 min 23 s
